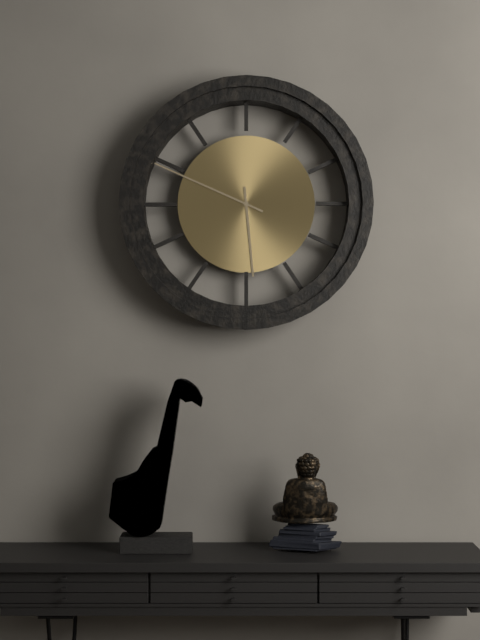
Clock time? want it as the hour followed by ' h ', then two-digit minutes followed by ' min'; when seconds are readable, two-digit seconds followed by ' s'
5 h 49 min
